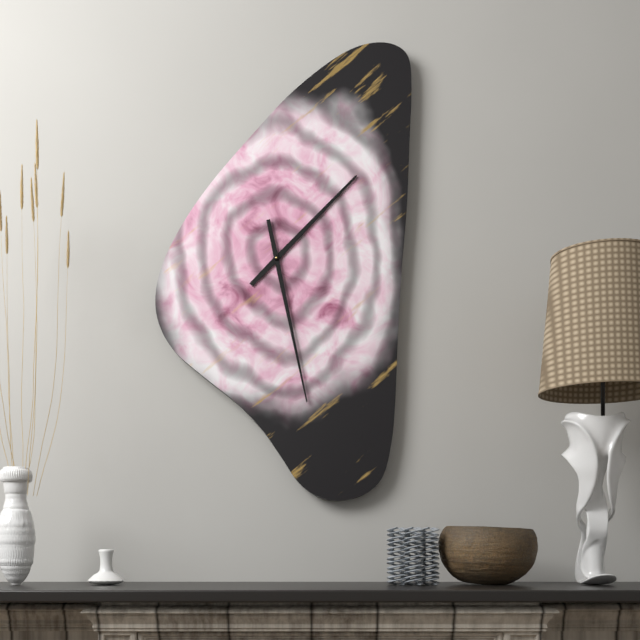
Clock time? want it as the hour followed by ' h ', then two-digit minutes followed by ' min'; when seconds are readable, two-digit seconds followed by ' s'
1 h 28 min
